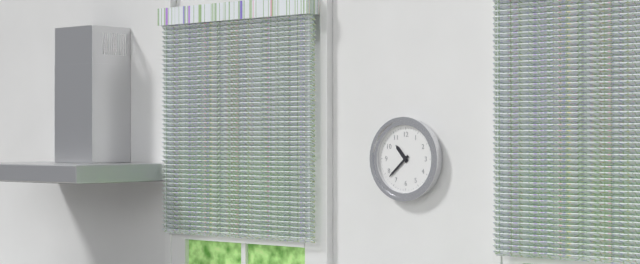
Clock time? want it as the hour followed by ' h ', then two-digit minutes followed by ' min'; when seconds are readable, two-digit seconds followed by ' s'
10 h 38 min
